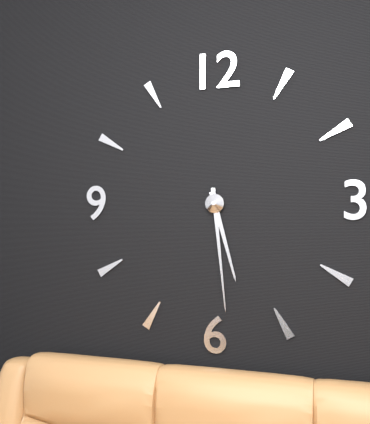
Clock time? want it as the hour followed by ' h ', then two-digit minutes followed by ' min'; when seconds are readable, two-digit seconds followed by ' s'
5 h 29 min
